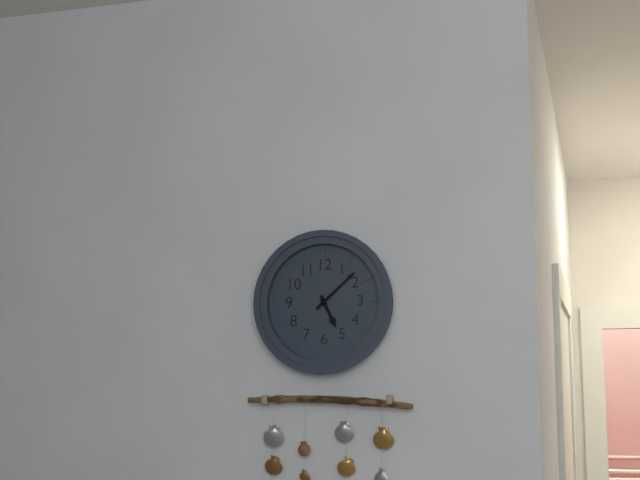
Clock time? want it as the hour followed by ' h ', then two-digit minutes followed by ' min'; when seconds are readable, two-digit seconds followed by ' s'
5 h 08 min
